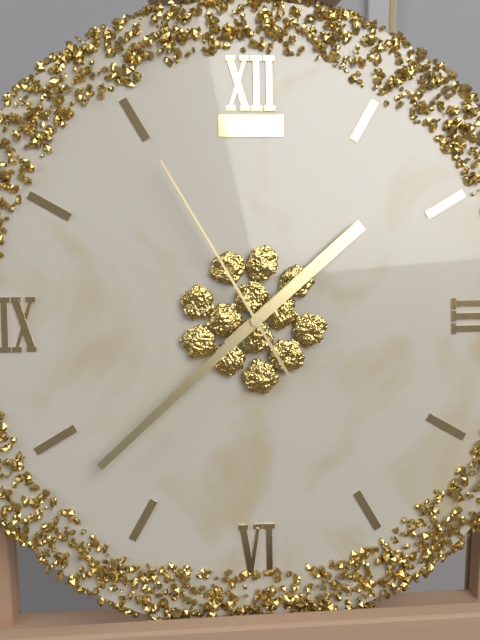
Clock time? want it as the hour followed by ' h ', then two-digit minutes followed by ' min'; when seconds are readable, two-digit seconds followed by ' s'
1 h 38 min 55 s
